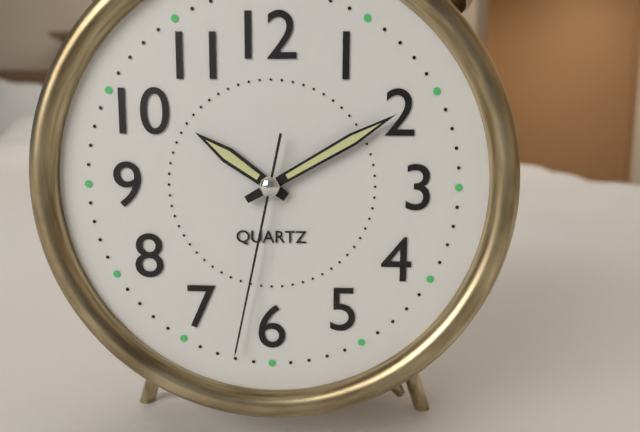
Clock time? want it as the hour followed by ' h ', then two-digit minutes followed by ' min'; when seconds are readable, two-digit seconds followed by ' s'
10 h 10 min 32 s
